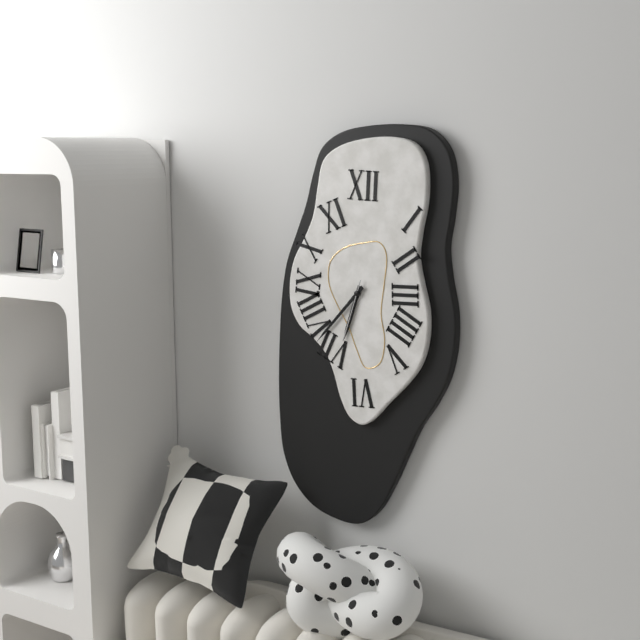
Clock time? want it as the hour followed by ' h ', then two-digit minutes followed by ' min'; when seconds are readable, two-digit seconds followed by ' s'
6 h 37 min 33 s
